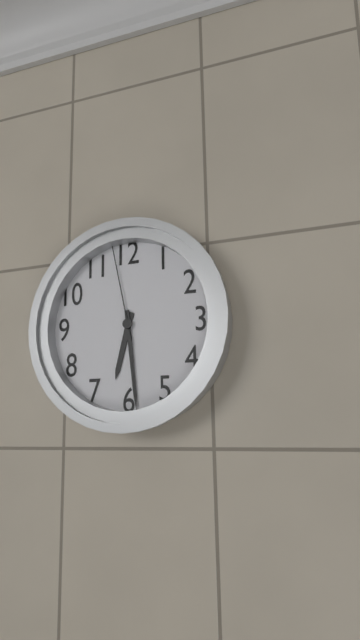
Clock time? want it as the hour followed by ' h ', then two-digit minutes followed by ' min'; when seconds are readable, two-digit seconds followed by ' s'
6 h 29 min 58 s
